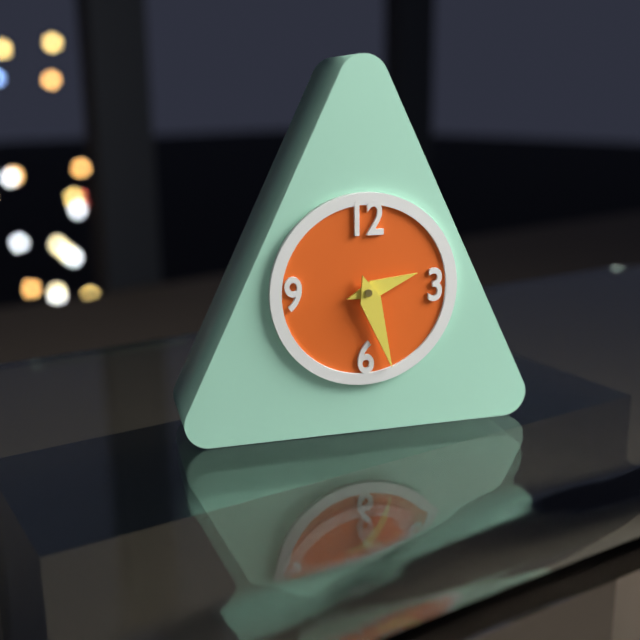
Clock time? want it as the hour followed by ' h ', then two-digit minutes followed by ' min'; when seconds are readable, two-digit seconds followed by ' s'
2 h 27 min
